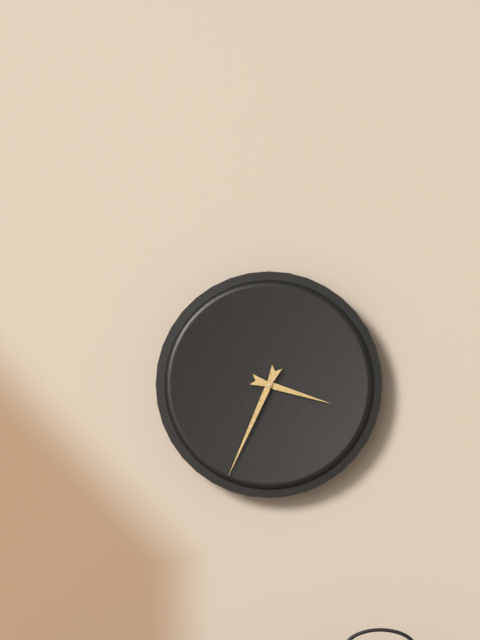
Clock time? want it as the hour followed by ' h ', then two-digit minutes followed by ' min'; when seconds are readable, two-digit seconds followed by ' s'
3 h 34 min
